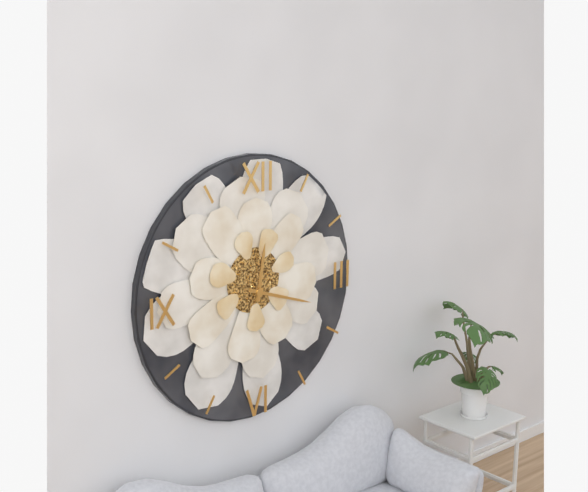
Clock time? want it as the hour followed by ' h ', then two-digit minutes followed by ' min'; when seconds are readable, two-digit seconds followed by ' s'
12 h 18 min
